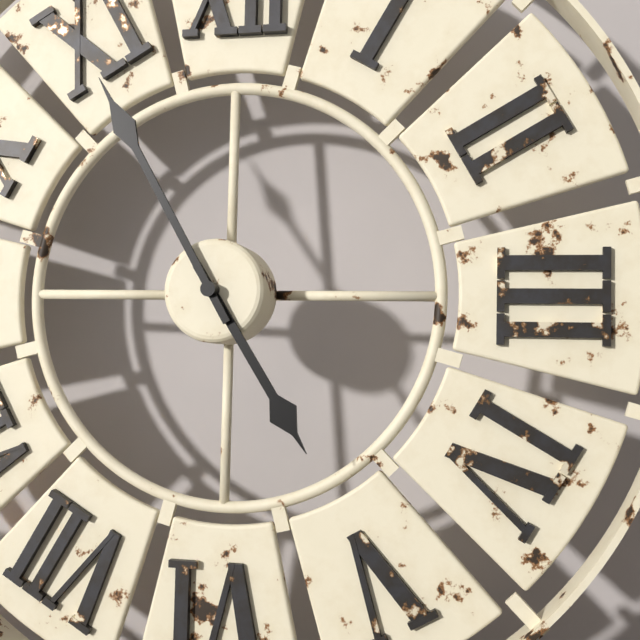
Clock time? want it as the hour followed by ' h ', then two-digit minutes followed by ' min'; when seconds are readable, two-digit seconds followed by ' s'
4 h 55 min
